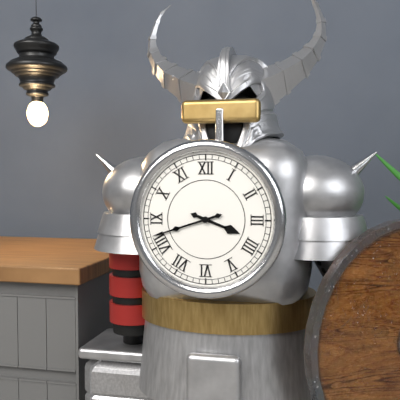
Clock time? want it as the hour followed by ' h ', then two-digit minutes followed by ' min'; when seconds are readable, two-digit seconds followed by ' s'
3 h 42 min
